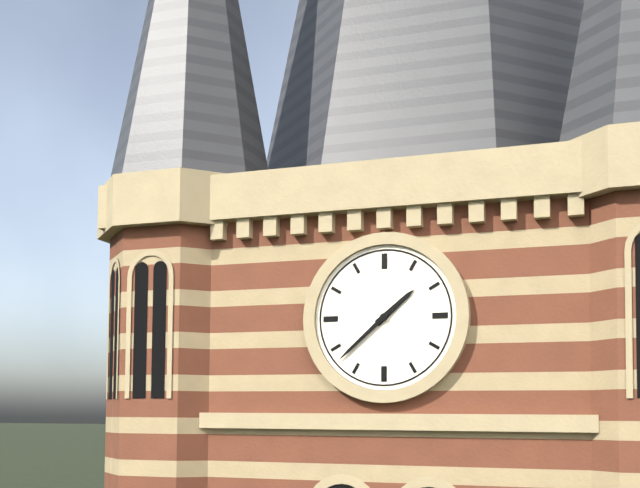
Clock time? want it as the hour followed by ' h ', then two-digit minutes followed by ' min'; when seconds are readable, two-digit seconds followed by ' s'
1 h 38 min
